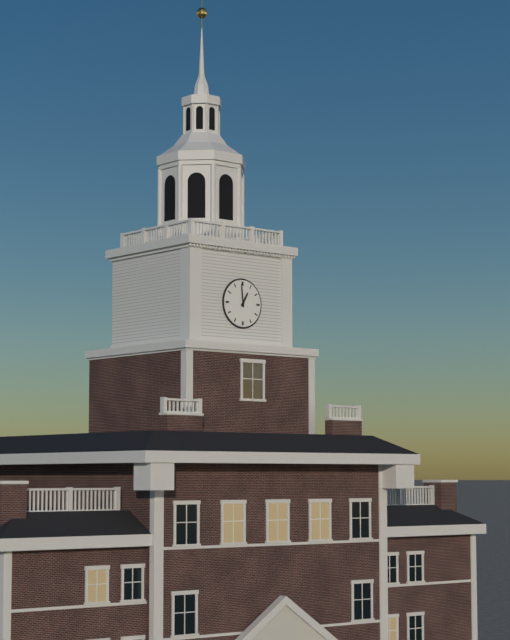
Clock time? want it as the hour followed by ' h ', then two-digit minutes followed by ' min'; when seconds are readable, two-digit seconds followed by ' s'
12 h 59 min
